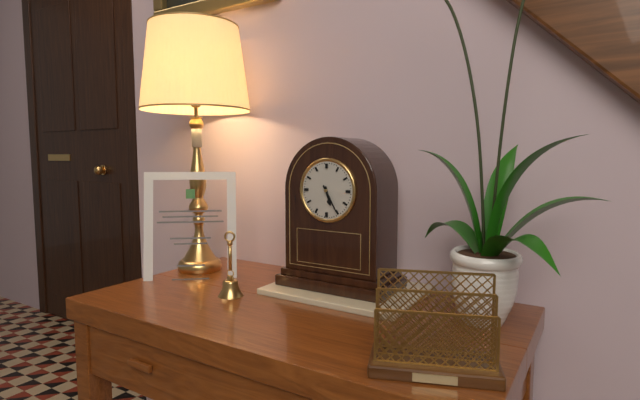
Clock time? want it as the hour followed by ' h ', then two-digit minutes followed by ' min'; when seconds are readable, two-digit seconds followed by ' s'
5 h 25 min
